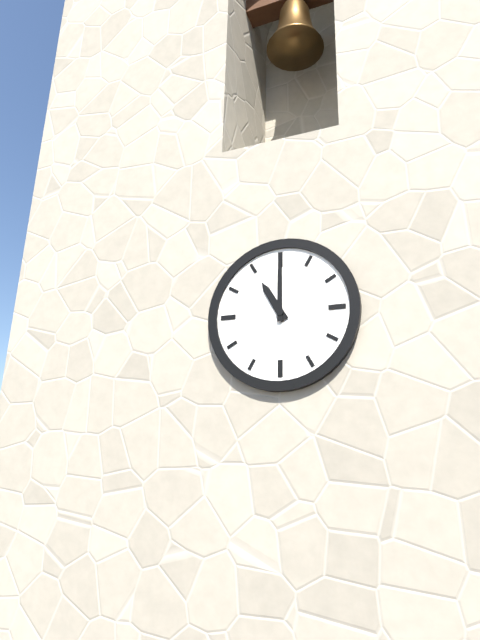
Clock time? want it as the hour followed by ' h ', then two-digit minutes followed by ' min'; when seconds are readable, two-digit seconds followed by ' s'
11 h 00 min
